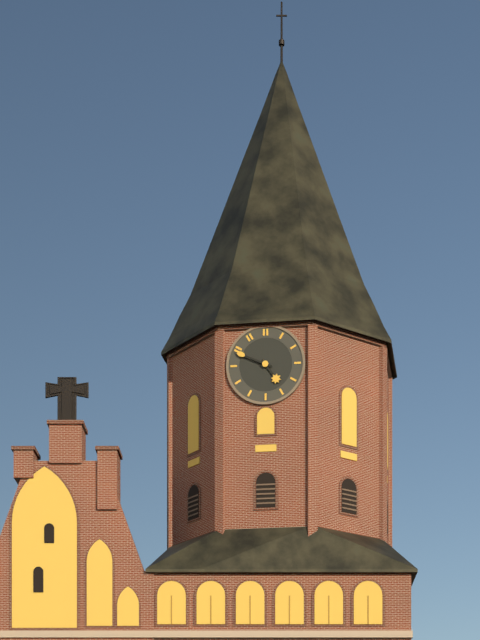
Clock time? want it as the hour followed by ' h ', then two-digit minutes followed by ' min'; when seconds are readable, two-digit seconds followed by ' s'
4 h 49 min
